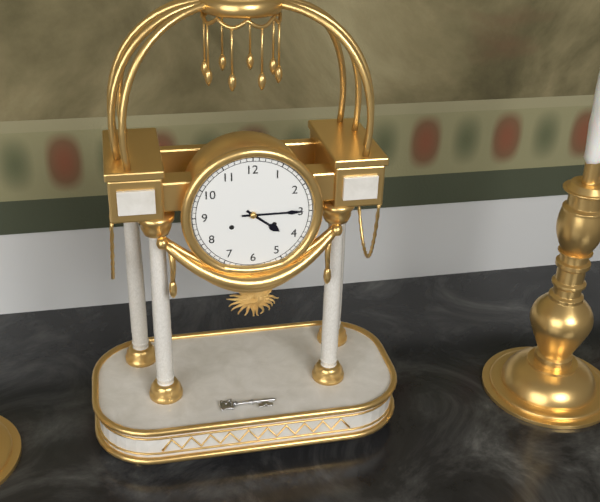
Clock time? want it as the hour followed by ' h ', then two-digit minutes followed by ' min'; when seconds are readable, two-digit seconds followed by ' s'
4 h 15 min
